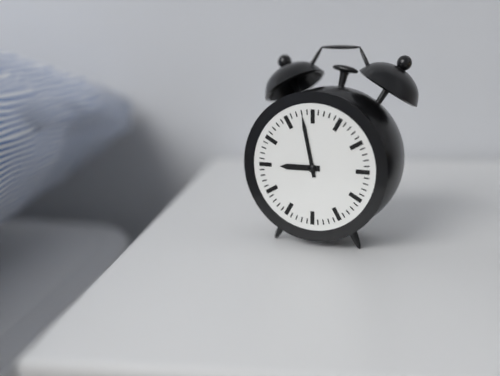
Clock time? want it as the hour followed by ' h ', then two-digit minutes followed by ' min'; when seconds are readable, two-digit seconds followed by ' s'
8 h 58 min
